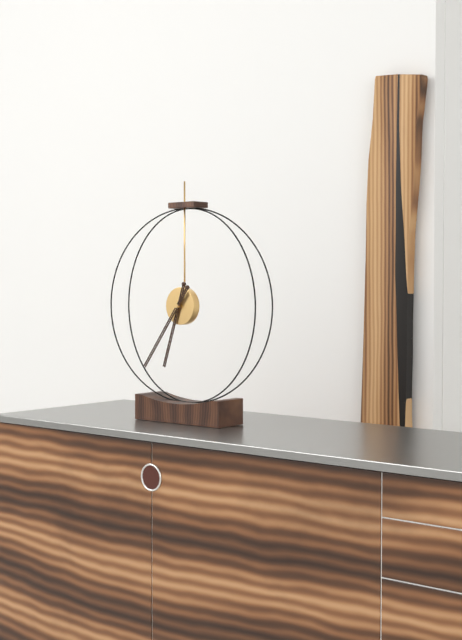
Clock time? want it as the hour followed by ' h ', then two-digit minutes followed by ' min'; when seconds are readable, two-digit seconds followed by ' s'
6 h 36 min
